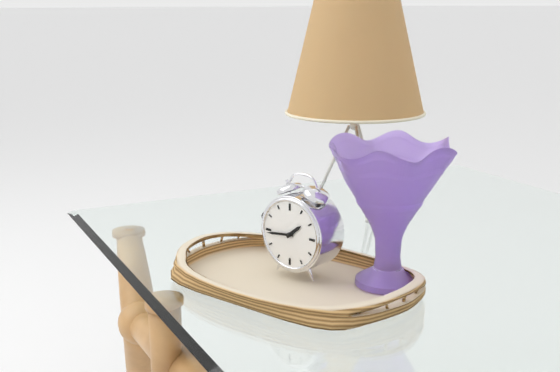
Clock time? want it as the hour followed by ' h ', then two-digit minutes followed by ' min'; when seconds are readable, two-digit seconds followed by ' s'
1 h 44 min
